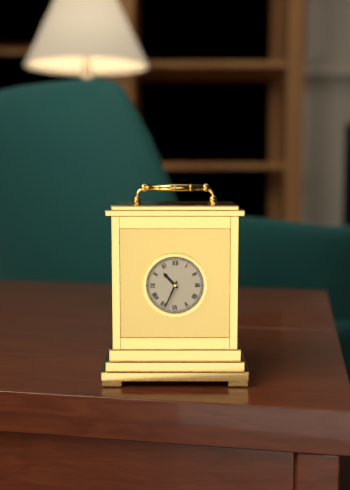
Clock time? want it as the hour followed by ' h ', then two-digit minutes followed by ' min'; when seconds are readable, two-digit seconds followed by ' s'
10 h 34 min
